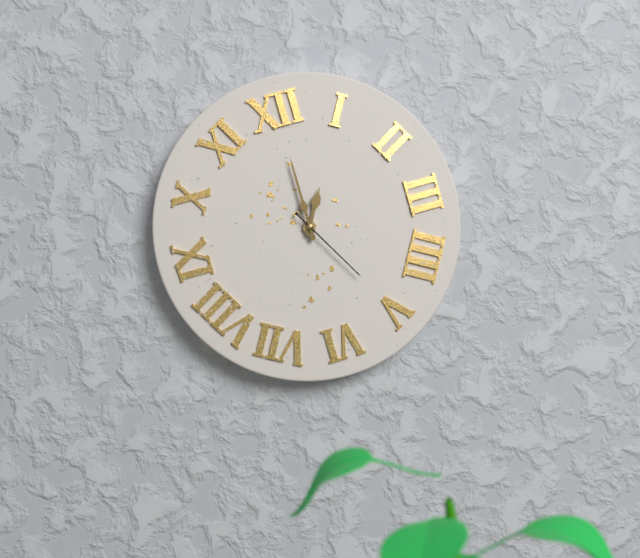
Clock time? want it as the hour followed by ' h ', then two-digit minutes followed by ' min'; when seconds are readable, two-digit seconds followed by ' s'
1 h 00 min 25 s
